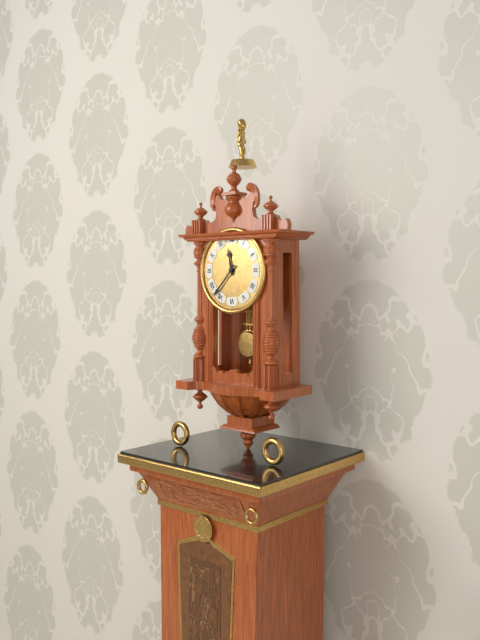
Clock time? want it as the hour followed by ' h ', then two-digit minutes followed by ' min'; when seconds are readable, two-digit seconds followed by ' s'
11 h 37 min
